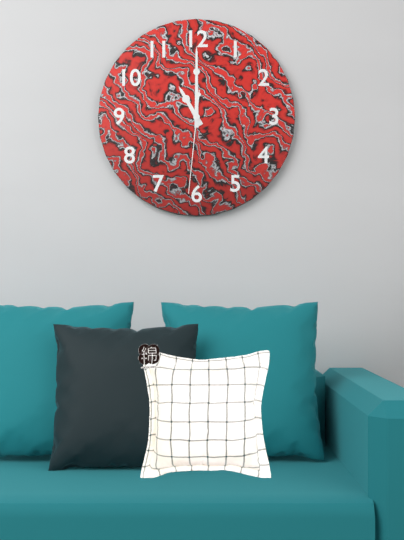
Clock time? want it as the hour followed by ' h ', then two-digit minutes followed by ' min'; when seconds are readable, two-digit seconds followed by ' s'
11 h 00 min 31 s
